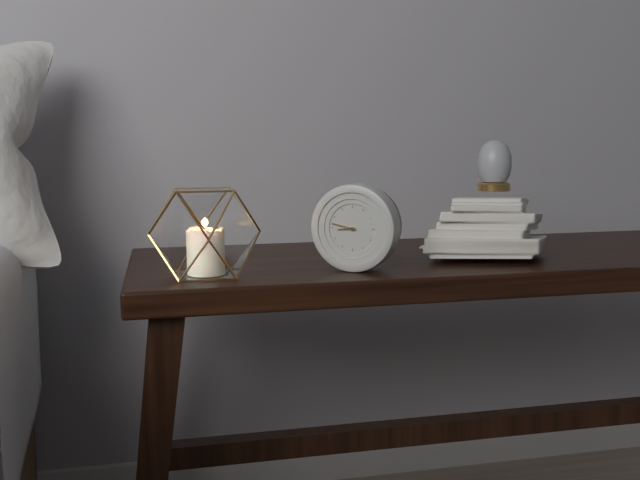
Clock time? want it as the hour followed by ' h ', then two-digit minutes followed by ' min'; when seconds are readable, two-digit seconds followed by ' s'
8 h 47 min
